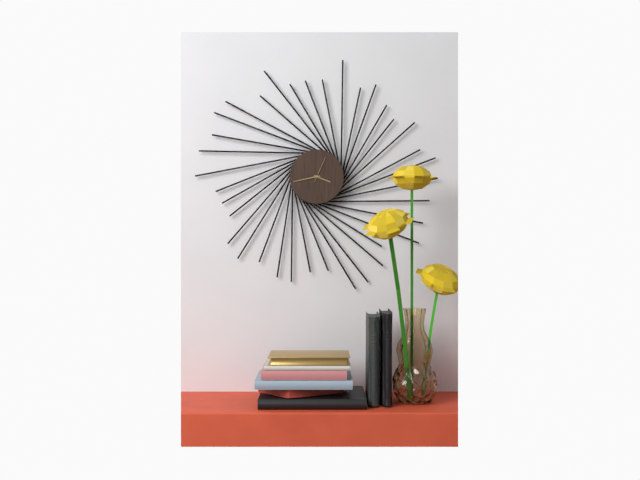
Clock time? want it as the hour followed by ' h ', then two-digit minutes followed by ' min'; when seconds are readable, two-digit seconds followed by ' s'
3 h 43 min
